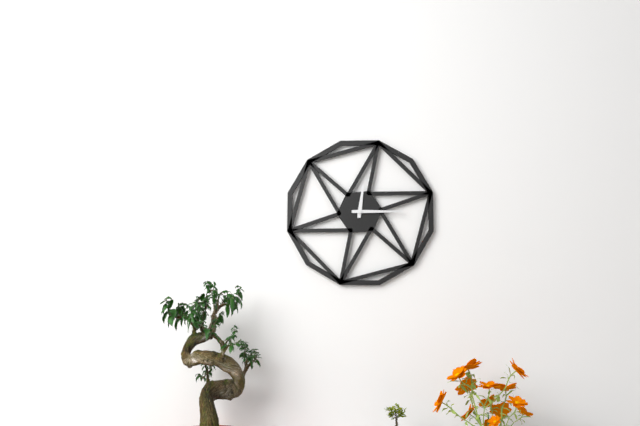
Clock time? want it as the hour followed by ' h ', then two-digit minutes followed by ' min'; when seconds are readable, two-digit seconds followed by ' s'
12 h 15 min
